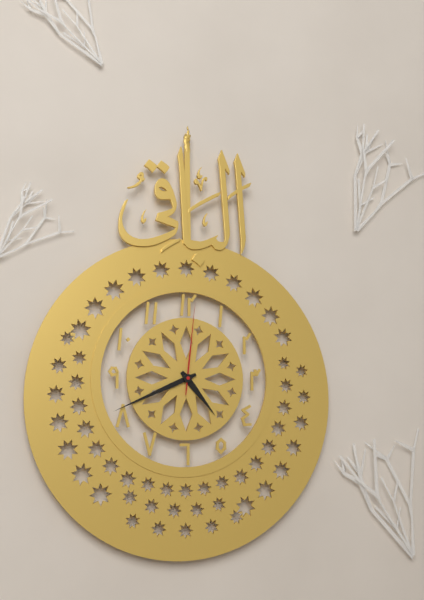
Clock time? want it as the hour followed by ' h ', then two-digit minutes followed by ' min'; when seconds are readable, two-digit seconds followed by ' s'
4 h 41 min 01 s
